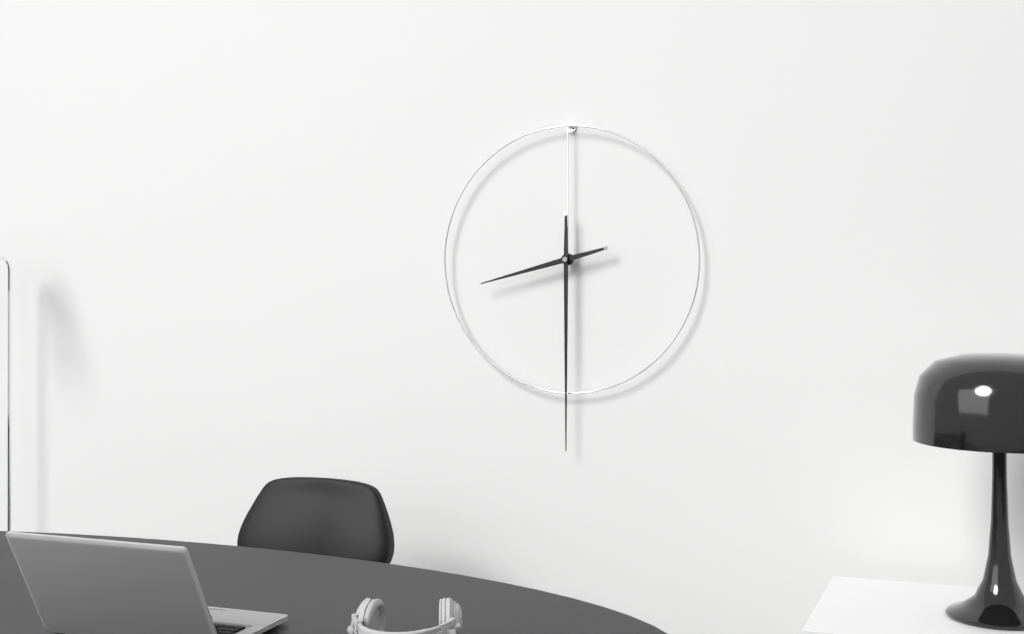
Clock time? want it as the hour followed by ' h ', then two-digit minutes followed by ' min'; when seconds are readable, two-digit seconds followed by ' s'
8 h 30 min
